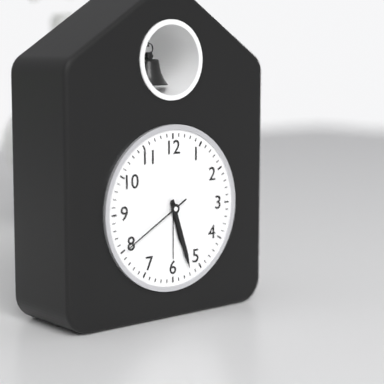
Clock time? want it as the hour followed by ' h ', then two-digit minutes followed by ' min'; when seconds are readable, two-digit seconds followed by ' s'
5 h 27 min 40 s
